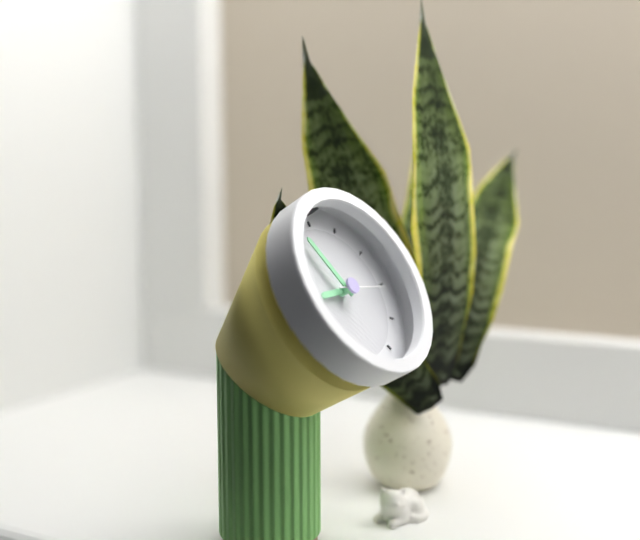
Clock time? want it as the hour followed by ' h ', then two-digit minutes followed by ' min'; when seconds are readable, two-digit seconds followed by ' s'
8 h 56 min 16 s
